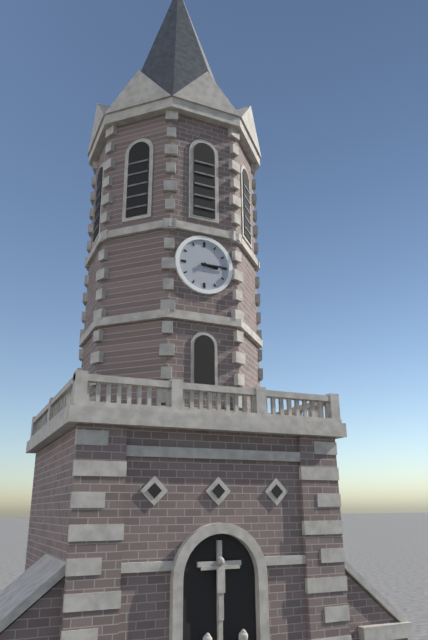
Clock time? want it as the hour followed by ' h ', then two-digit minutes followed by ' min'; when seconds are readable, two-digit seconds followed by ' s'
3 h 15 min
